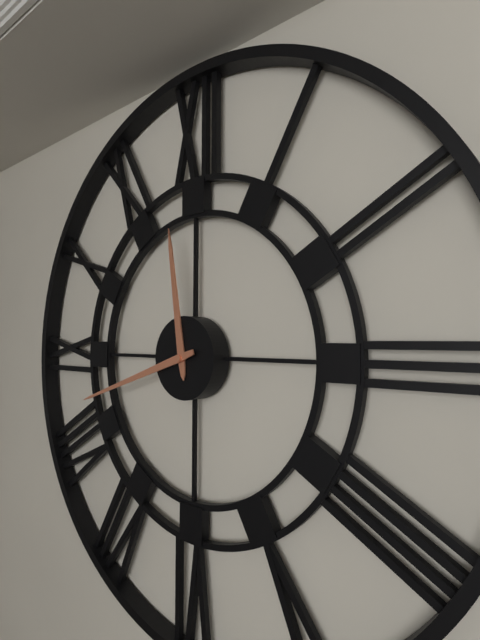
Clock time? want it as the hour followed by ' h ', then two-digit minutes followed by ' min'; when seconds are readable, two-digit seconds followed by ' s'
11 h 42 min
